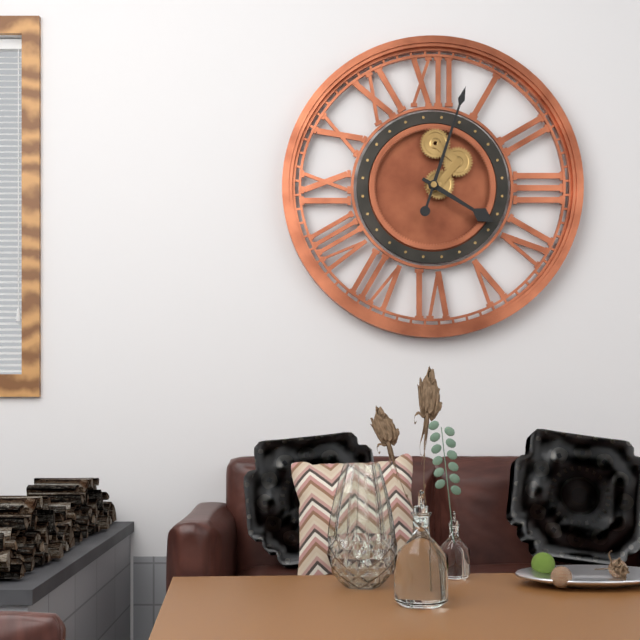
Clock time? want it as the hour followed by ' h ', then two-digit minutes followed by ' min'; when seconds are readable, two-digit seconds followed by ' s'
4 h 03 min
